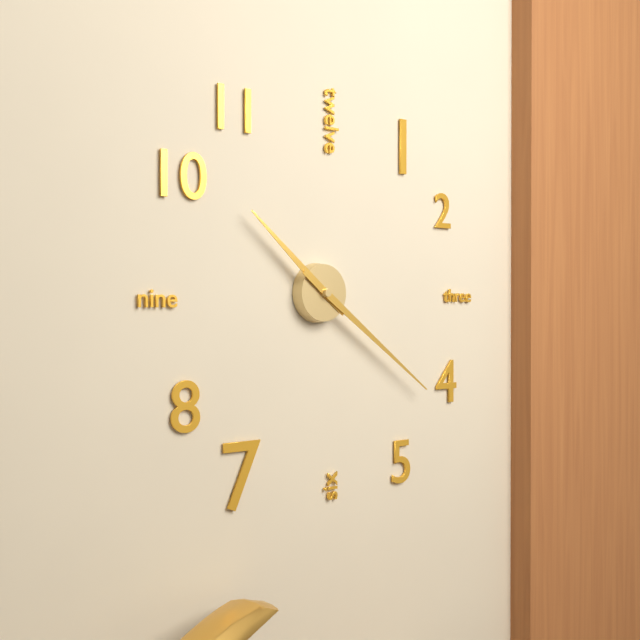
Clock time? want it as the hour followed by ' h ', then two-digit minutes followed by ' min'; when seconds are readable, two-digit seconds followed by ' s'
10 h 21 min
